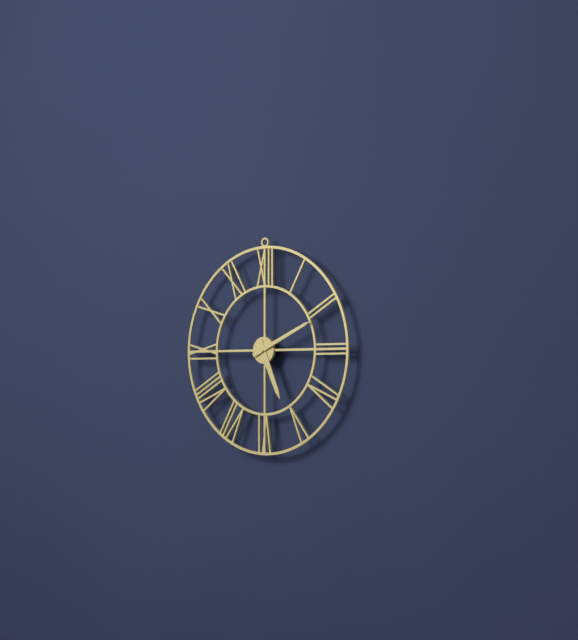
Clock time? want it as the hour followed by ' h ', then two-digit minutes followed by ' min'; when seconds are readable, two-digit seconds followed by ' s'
5 h 11 min
